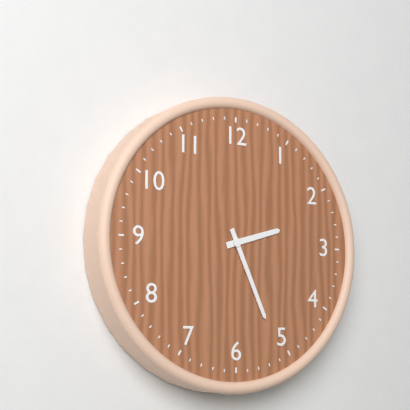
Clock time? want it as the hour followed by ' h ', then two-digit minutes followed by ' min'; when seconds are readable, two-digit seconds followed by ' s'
2 h 26 min
